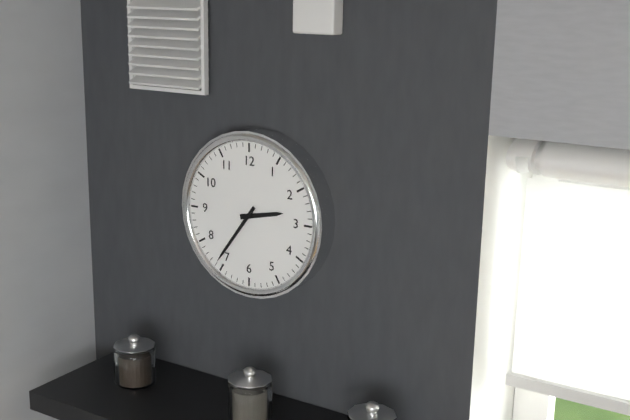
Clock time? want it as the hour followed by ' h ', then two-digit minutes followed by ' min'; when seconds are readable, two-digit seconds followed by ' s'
2 h 36 min
